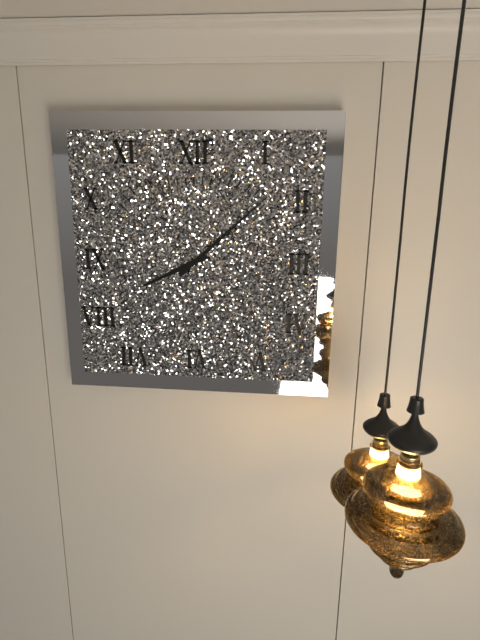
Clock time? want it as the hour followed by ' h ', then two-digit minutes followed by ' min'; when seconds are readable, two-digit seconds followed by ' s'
8 h 08 min
